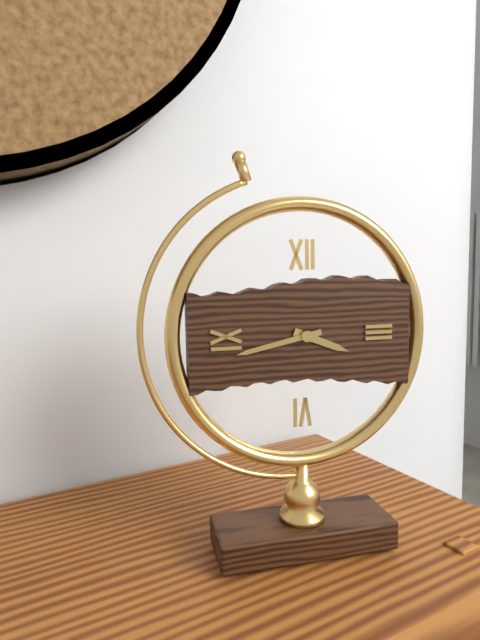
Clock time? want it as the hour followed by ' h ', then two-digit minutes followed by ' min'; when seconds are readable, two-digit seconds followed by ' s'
3 h 43 min
